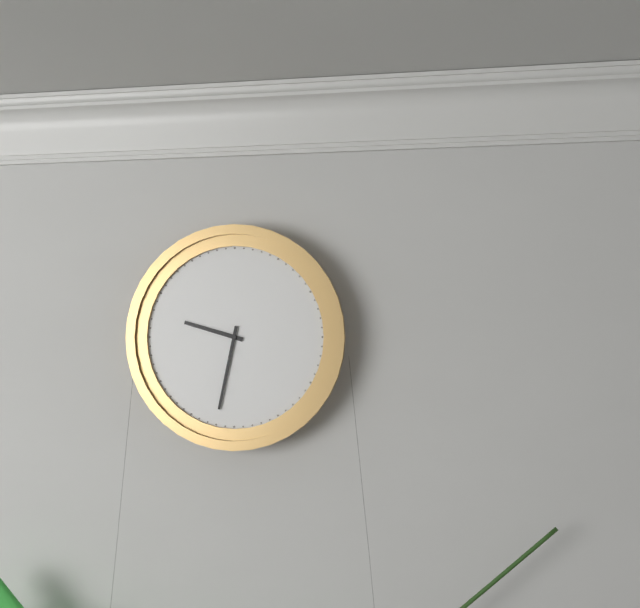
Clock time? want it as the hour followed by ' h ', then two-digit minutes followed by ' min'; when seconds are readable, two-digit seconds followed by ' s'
9 h 32 min
